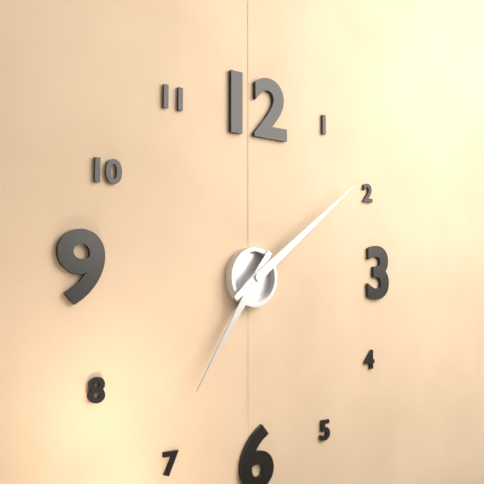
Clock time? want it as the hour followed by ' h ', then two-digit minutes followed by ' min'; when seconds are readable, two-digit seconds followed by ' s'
7 h 09 min
